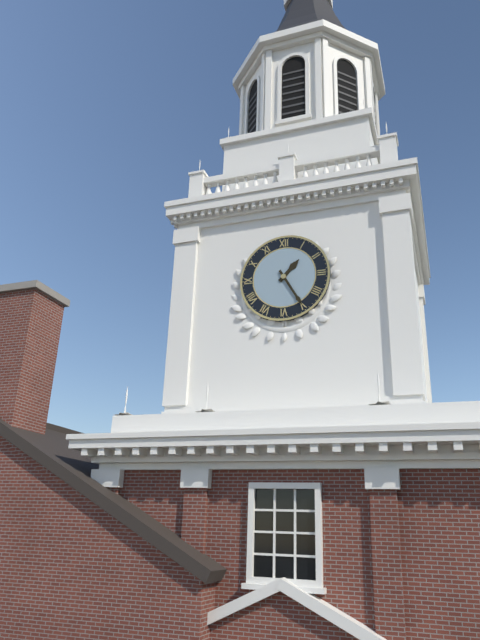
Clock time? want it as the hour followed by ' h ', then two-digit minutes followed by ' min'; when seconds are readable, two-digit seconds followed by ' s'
1 h 25 min
